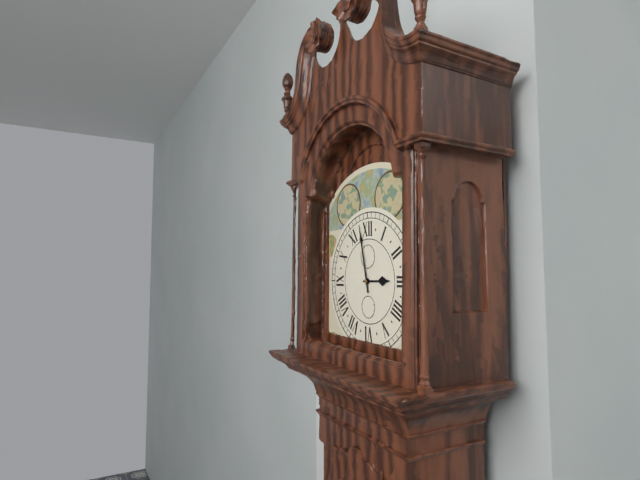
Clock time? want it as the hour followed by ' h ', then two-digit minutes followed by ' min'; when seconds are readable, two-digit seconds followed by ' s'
2 h 58 min
